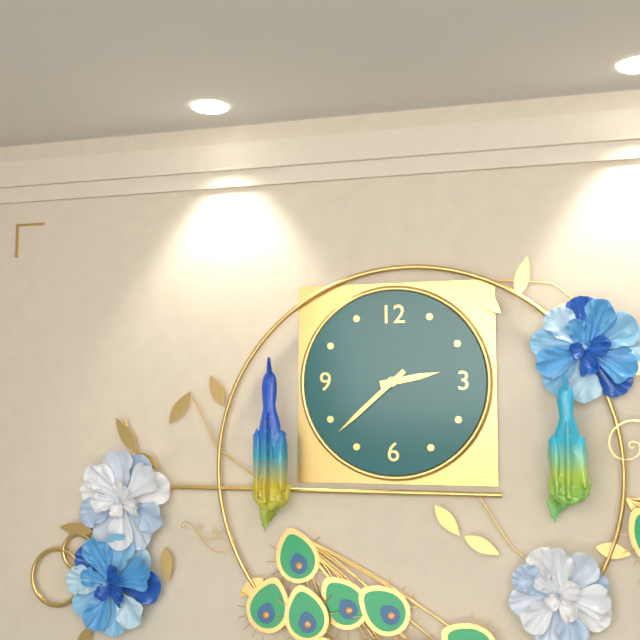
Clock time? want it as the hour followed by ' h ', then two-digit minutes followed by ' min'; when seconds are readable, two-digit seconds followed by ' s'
2 h 38 min
